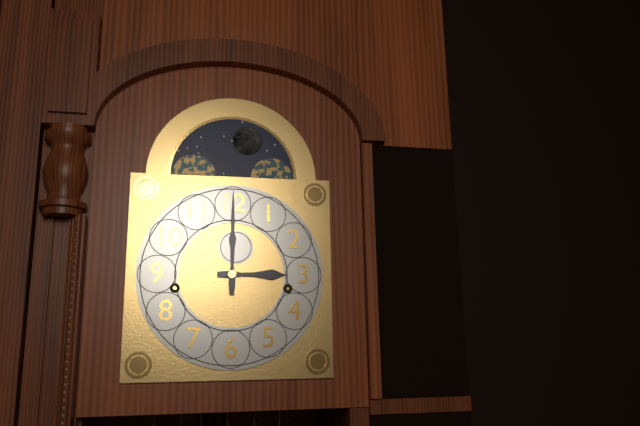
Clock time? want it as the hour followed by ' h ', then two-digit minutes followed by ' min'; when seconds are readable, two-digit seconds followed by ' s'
3 h 00 min
